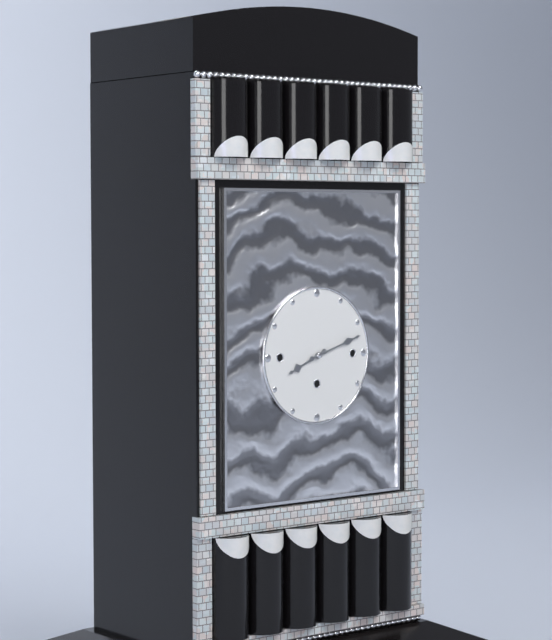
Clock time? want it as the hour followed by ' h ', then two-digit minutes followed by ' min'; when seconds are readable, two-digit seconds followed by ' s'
8 h 12 min
